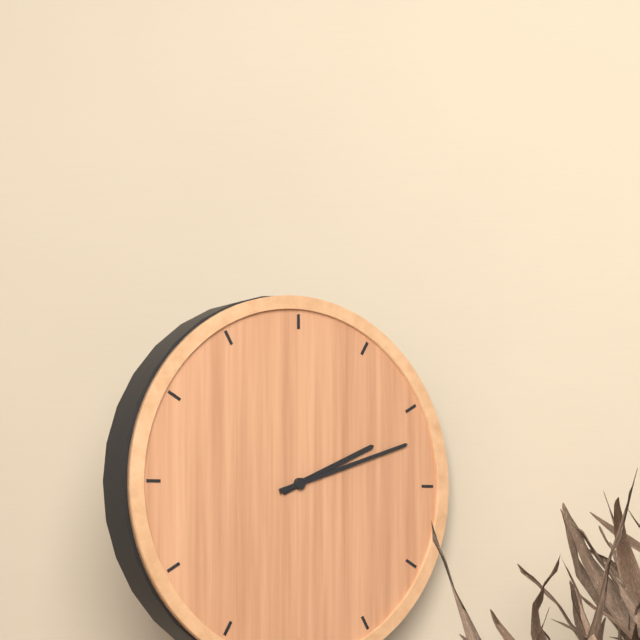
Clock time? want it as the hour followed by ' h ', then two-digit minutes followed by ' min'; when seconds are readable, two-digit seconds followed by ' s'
2 h 12 min
